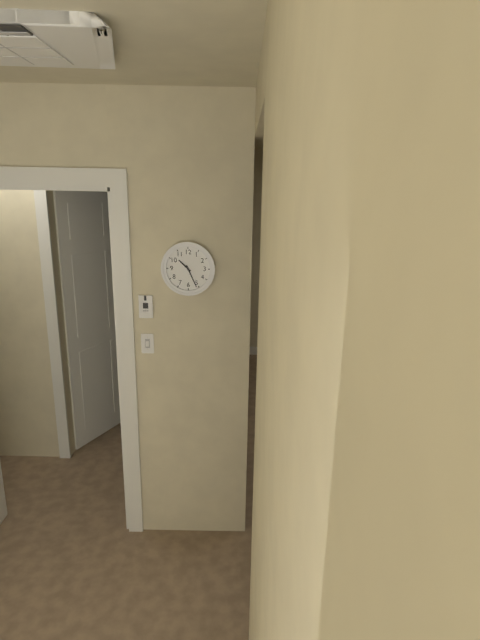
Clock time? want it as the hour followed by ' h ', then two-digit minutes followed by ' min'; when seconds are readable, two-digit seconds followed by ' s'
10 h 26 min
